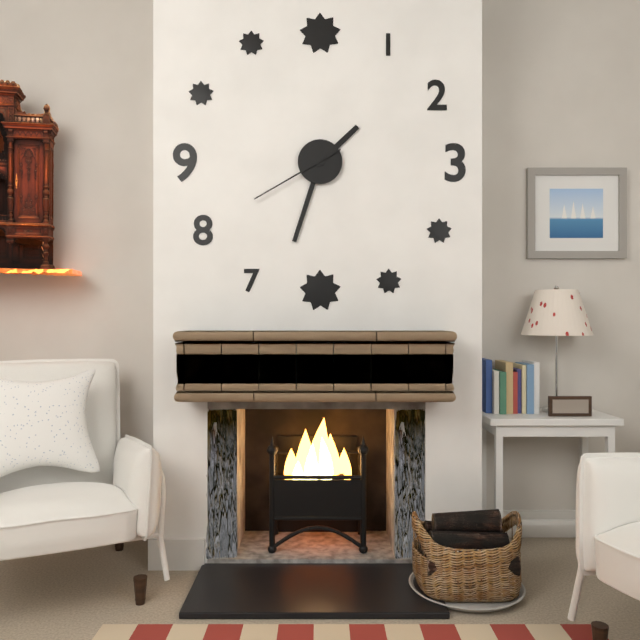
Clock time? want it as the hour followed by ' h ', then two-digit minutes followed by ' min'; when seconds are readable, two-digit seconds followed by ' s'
1 h 33 min 40 s
